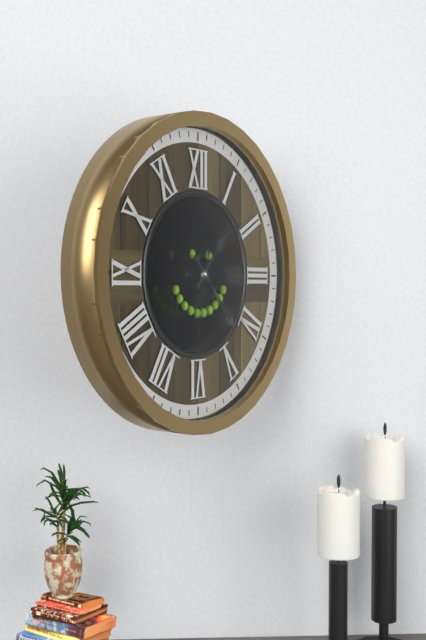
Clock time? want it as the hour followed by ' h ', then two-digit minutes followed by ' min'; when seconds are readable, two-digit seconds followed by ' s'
1 h 23 min 32 s
